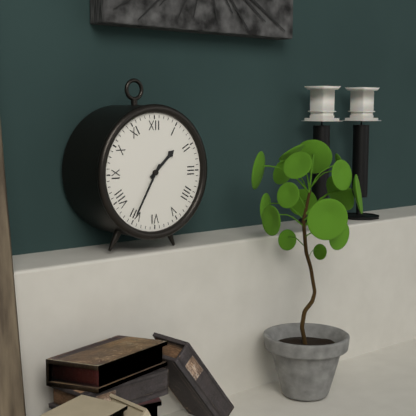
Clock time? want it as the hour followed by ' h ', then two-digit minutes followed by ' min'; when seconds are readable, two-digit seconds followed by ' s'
1 h 35 min
